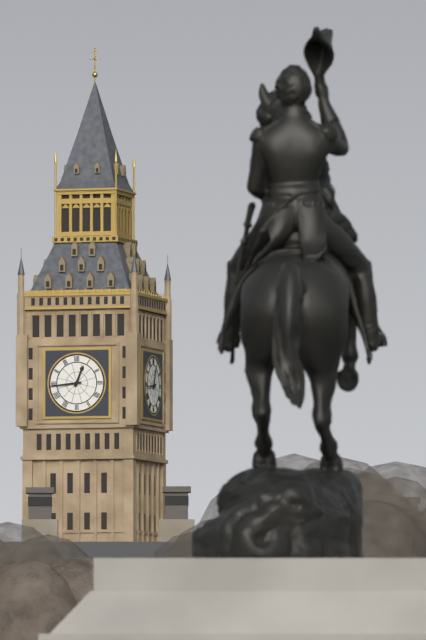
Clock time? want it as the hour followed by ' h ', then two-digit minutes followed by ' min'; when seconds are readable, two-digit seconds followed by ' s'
12 h 44 min
